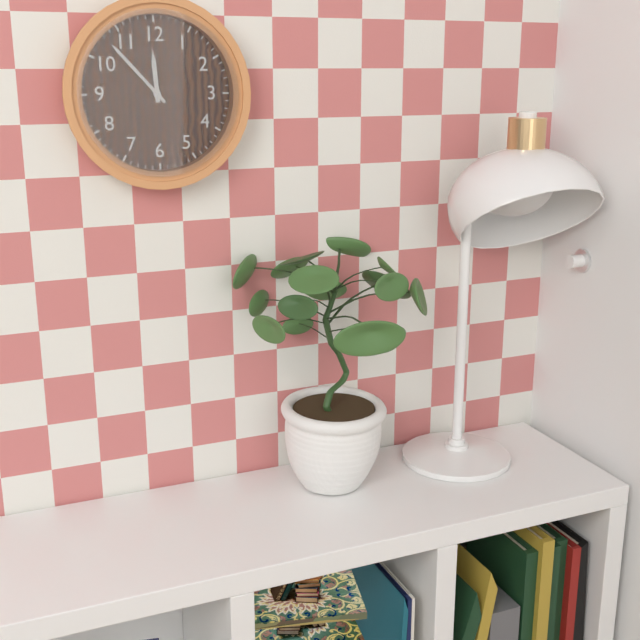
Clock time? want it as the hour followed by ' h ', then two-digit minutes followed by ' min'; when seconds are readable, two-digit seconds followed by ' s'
11 h 53 min
